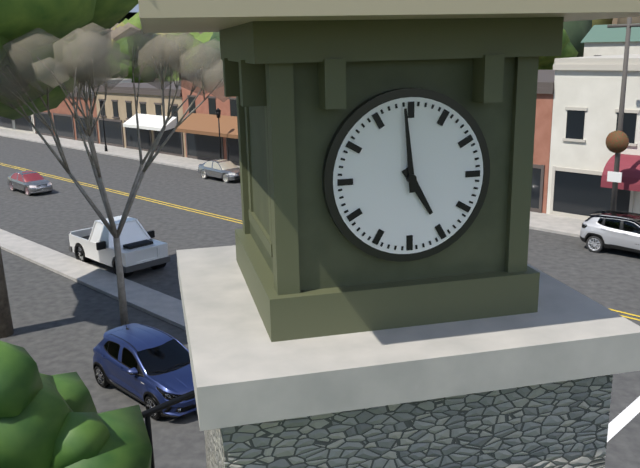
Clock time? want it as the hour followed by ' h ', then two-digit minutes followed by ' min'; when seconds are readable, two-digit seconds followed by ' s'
4 h 59 min
